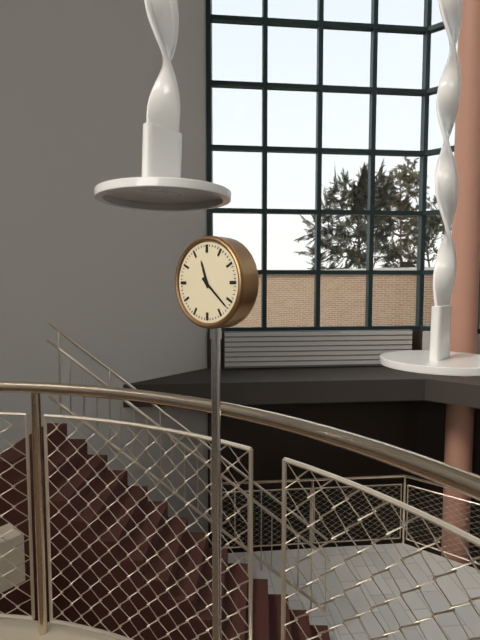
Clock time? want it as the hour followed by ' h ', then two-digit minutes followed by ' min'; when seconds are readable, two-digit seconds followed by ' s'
11 h 22 min
